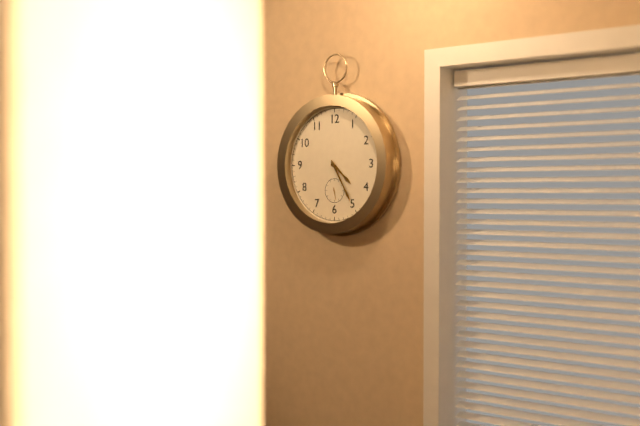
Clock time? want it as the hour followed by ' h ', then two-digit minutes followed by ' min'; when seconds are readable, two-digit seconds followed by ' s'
4 h 25 min
